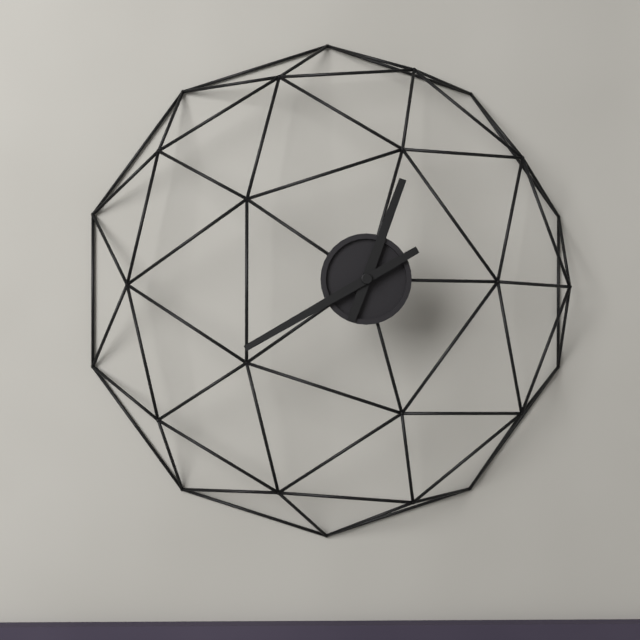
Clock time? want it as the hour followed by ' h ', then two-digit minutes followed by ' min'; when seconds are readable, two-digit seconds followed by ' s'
12 h 40 min
